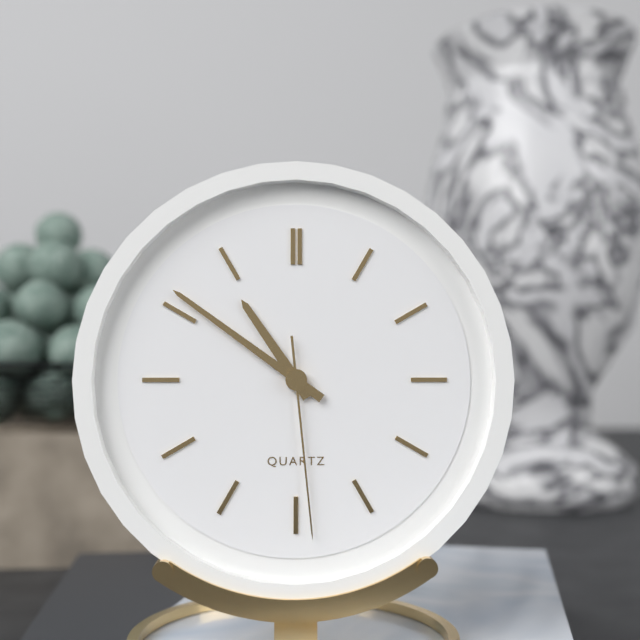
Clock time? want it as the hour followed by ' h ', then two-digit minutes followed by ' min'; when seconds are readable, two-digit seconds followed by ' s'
10 h 51 min 29 s
